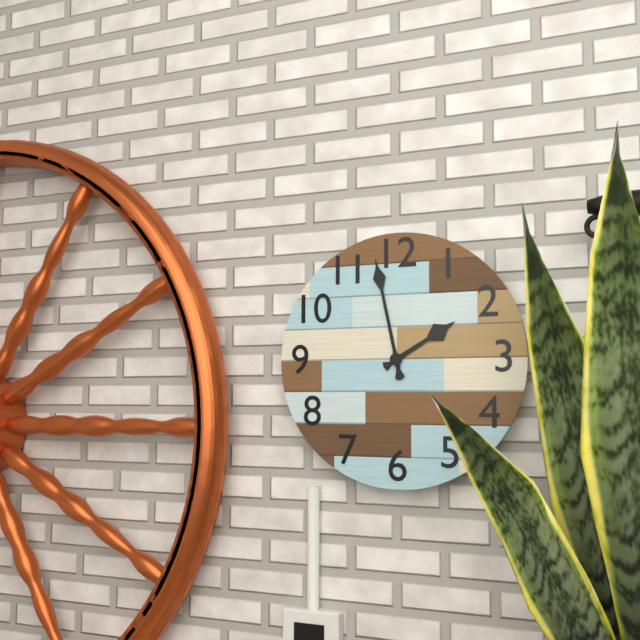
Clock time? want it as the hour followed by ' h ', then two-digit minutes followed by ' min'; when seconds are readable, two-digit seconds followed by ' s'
1 h 58 min
